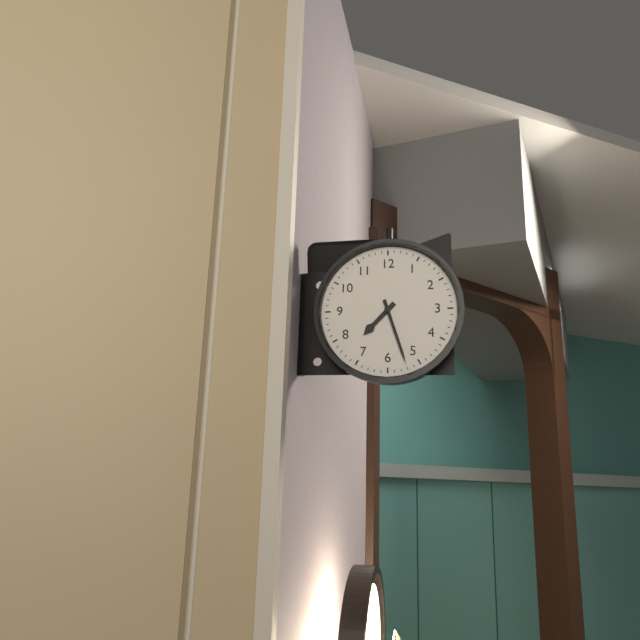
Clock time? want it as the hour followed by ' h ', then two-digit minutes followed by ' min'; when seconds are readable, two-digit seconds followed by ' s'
7 h 27 min
